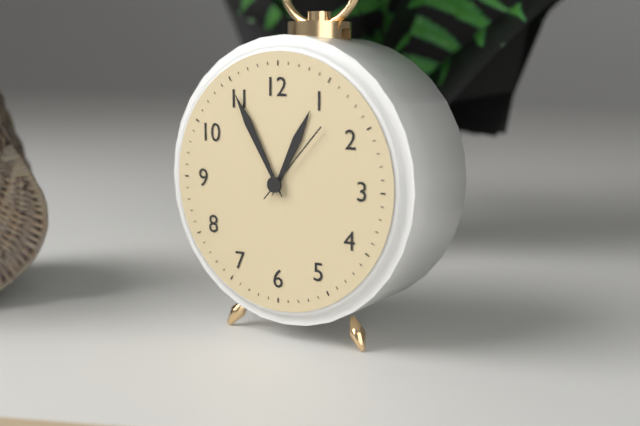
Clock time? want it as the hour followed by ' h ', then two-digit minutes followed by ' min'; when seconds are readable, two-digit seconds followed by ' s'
12 h 55 min 07 s
